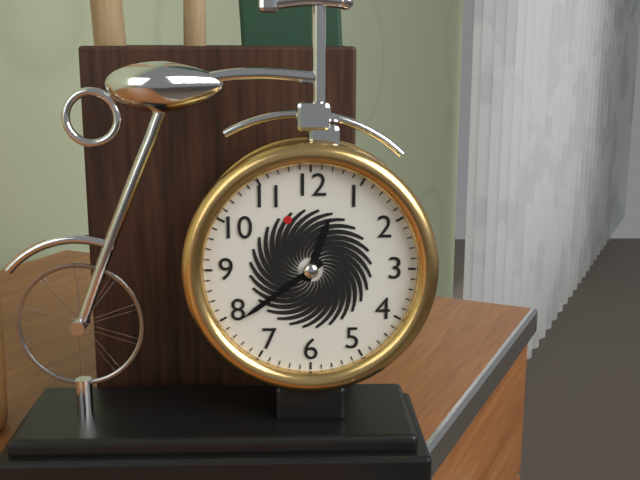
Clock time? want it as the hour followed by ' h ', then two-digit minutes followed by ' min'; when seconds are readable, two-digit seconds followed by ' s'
12 h 39 min
